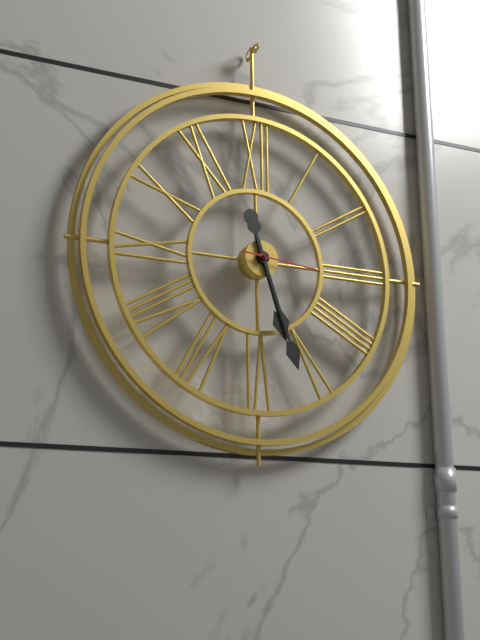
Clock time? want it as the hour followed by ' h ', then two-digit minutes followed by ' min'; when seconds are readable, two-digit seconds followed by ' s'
5 h 27 min 16 s
